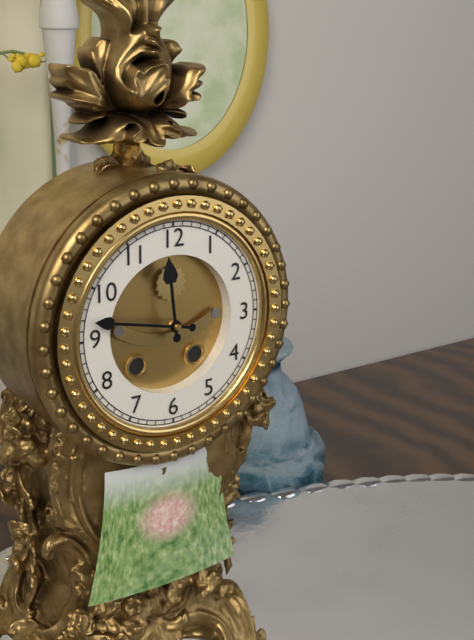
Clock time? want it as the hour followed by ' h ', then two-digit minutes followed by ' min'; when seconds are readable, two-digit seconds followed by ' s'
11 h 47 min
